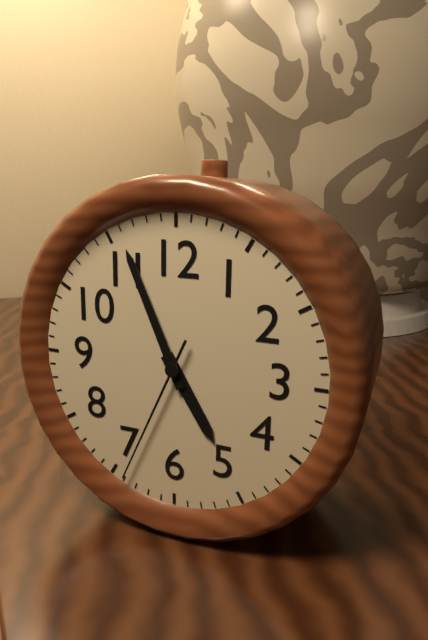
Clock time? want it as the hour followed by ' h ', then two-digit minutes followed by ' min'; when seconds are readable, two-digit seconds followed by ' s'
4 h 56 min 34 s
